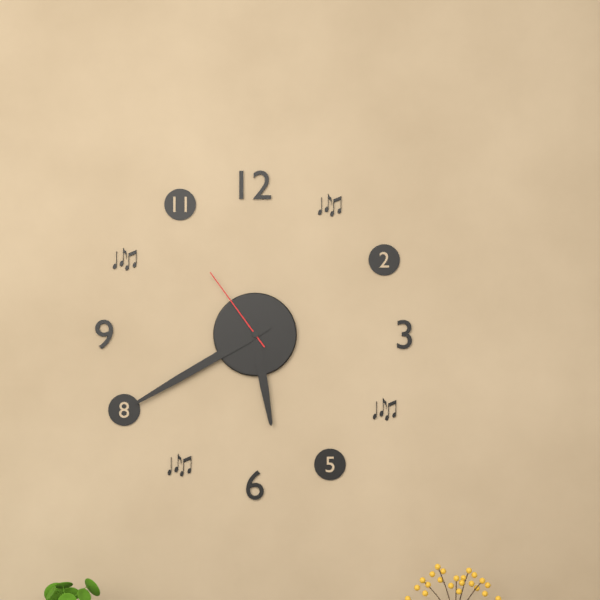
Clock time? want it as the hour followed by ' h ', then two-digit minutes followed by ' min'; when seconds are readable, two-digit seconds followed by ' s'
5 h 40 min 54 s
